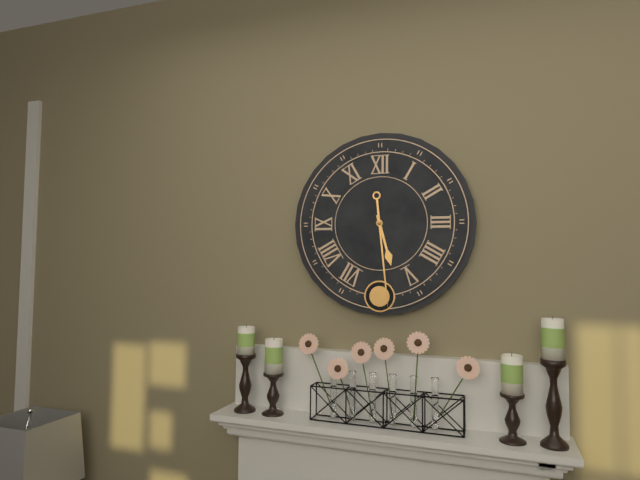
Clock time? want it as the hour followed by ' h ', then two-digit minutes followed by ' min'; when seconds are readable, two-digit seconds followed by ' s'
5 h 29 min
